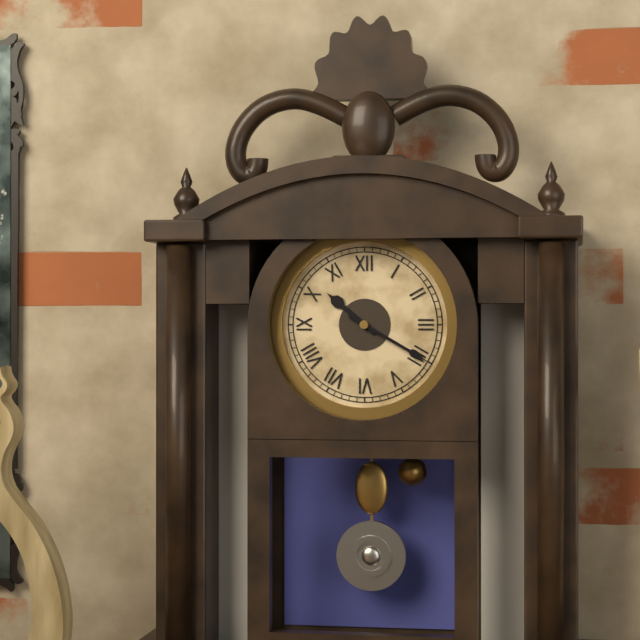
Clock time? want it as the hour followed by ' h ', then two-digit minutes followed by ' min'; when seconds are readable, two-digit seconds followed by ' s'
10 h 20 min
